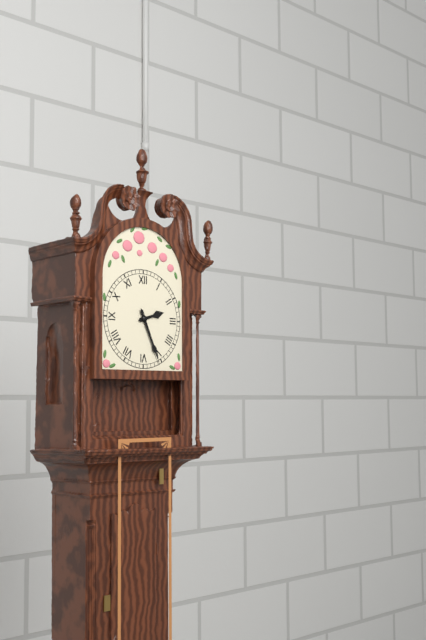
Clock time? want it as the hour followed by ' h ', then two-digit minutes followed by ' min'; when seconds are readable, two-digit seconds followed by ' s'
2 h 26 min
